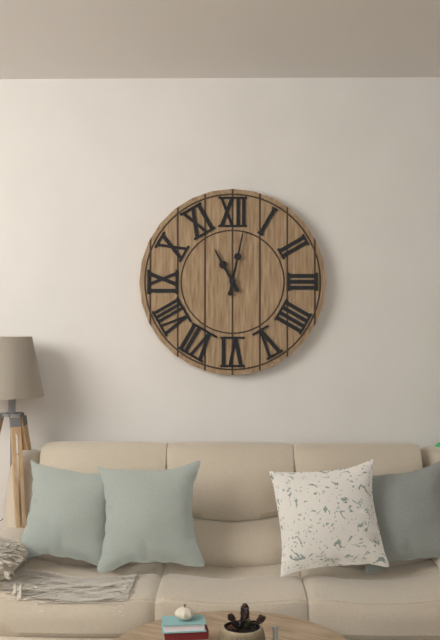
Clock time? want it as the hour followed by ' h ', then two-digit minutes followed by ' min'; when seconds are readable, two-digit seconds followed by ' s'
11 h 02 min
